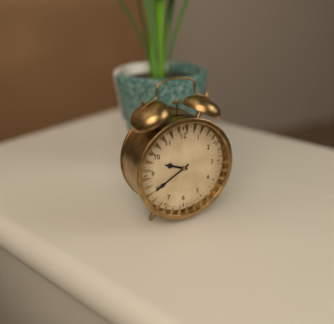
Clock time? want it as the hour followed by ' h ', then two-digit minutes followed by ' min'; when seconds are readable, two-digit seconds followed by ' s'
9 h 40 min
